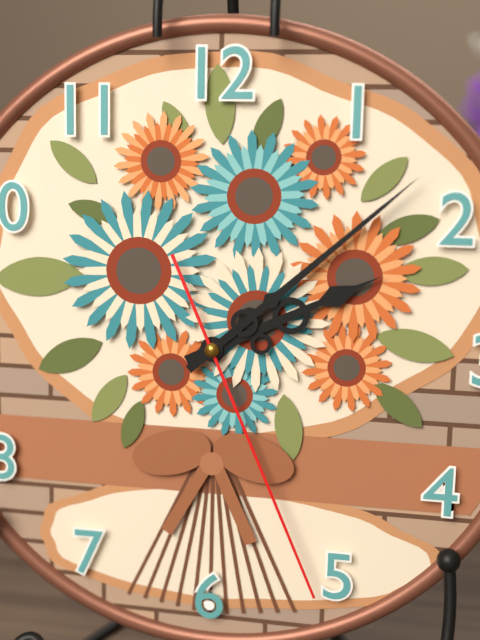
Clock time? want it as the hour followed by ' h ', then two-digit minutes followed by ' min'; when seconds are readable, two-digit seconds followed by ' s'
2 h 08 min 26 s
